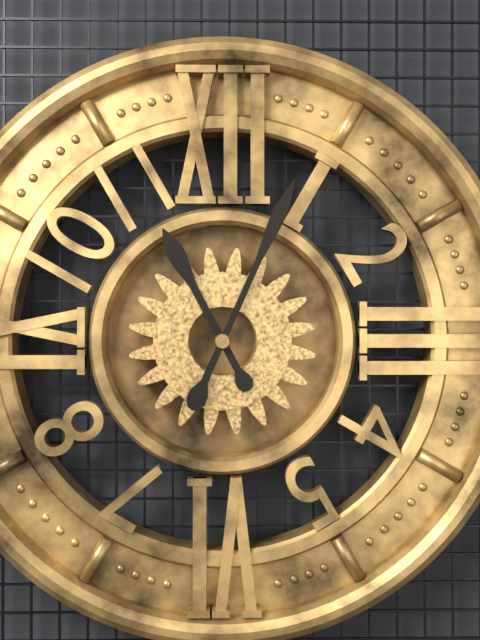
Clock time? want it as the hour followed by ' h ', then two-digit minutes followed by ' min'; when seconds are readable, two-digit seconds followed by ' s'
11 h 04 min
